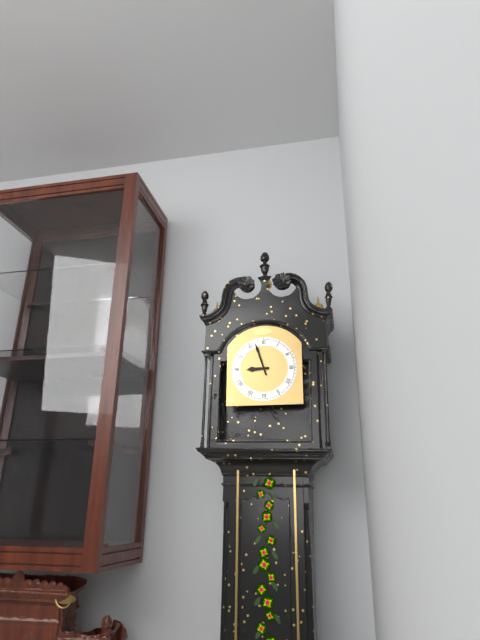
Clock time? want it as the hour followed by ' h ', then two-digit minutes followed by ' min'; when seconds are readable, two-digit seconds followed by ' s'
8 h 57 min
